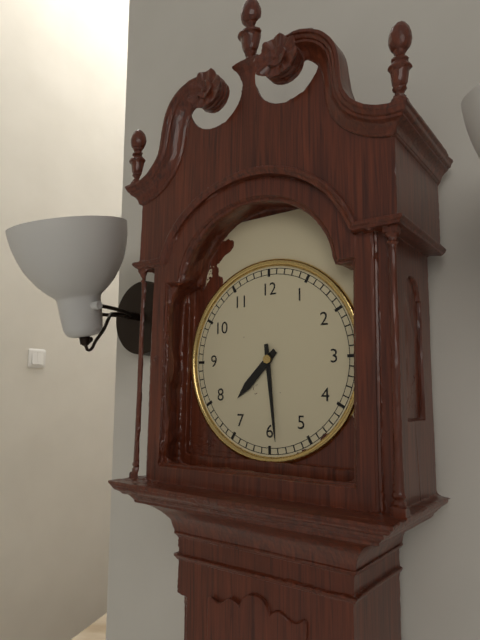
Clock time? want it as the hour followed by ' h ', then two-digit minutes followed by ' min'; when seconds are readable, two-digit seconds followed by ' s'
7 h 29 min
